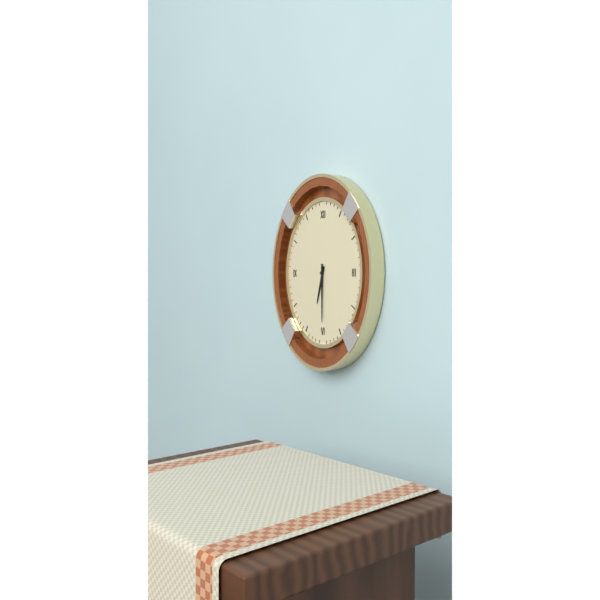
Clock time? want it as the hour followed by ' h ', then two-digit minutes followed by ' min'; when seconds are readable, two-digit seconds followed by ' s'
6 h 30 min
